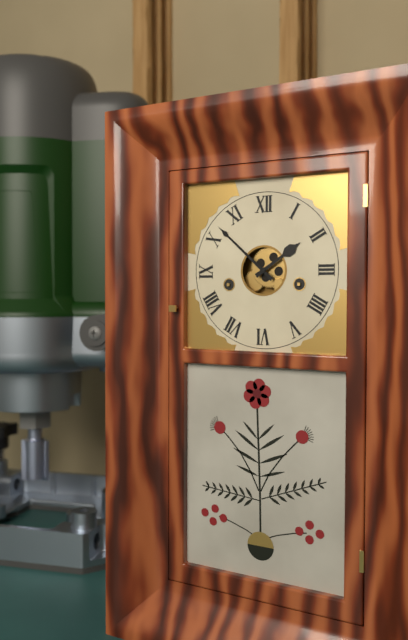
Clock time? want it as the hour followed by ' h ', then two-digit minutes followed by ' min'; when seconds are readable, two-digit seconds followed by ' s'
1 h 52 min
